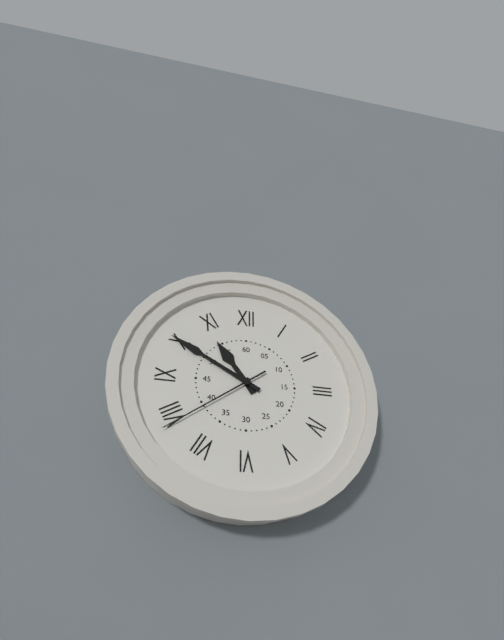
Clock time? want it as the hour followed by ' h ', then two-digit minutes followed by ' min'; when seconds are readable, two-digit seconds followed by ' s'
10 h 50 min 39 s
